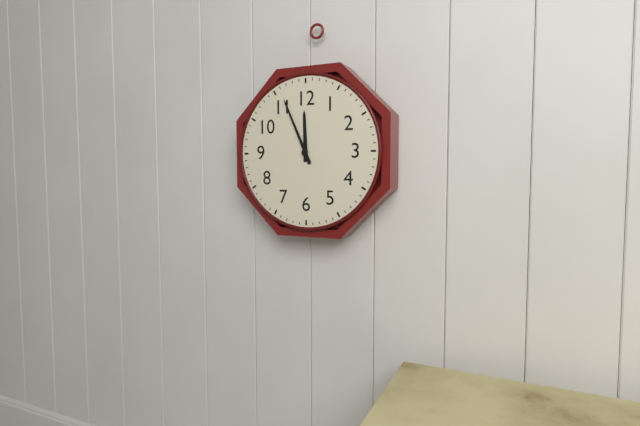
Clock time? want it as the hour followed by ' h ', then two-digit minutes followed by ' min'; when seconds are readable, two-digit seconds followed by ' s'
11 h 56 min
